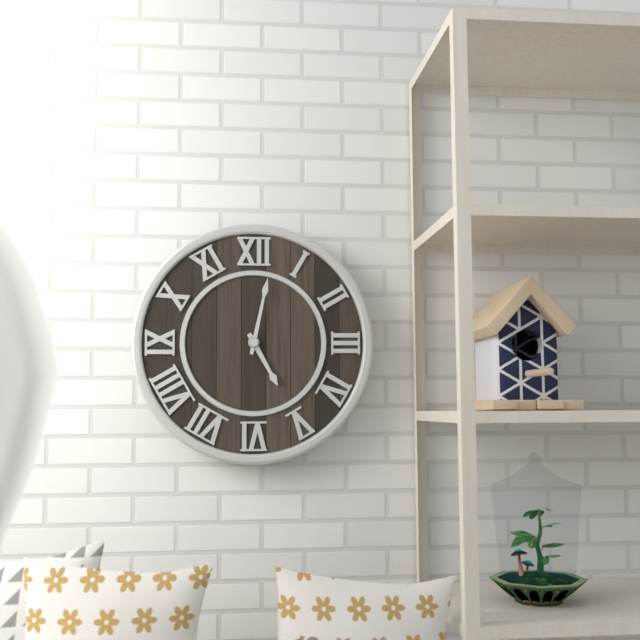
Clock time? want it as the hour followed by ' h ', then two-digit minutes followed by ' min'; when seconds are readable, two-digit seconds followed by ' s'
5 h 02 min
